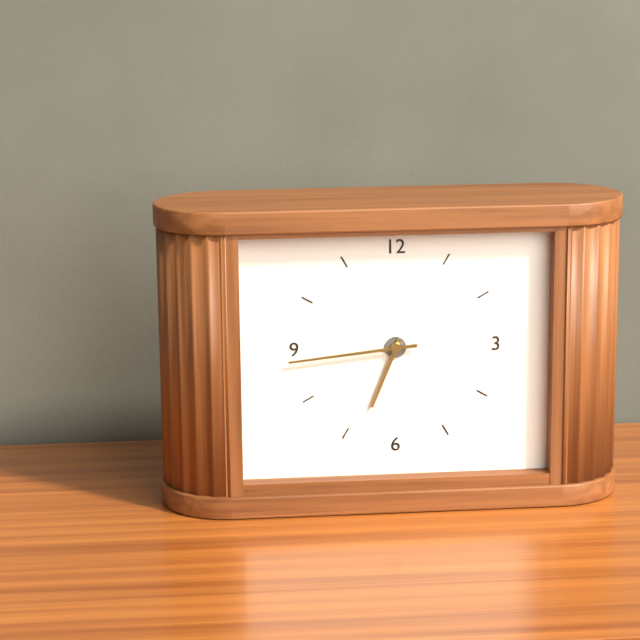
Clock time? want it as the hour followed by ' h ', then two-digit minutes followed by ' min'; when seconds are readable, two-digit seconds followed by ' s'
6 h 44 min
